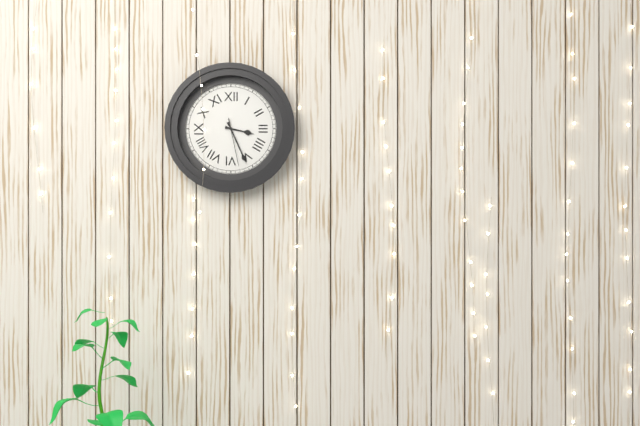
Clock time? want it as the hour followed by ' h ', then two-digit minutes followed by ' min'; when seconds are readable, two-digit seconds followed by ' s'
3 h 26 min 28 s
